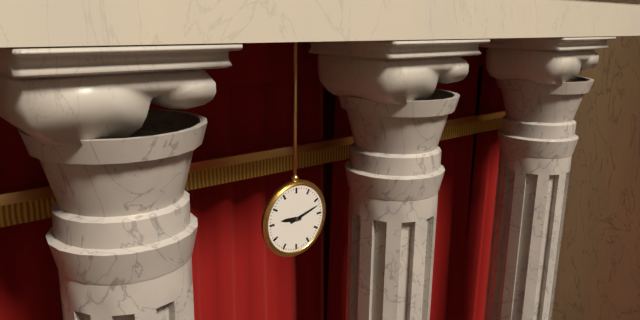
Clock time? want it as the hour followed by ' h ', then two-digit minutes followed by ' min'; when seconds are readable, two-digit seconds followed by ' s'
9 h 12 min
